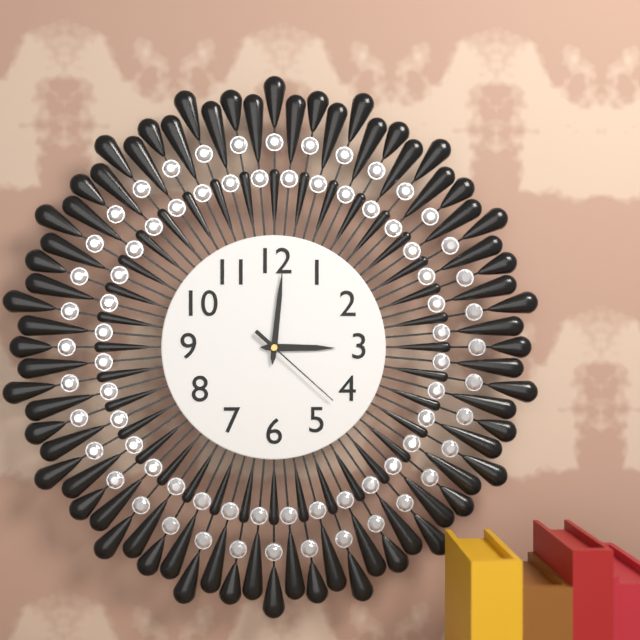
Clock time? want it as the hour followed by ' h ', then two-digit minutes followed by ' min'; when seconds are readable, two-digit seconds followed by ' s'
3 h 01 min 22 s
